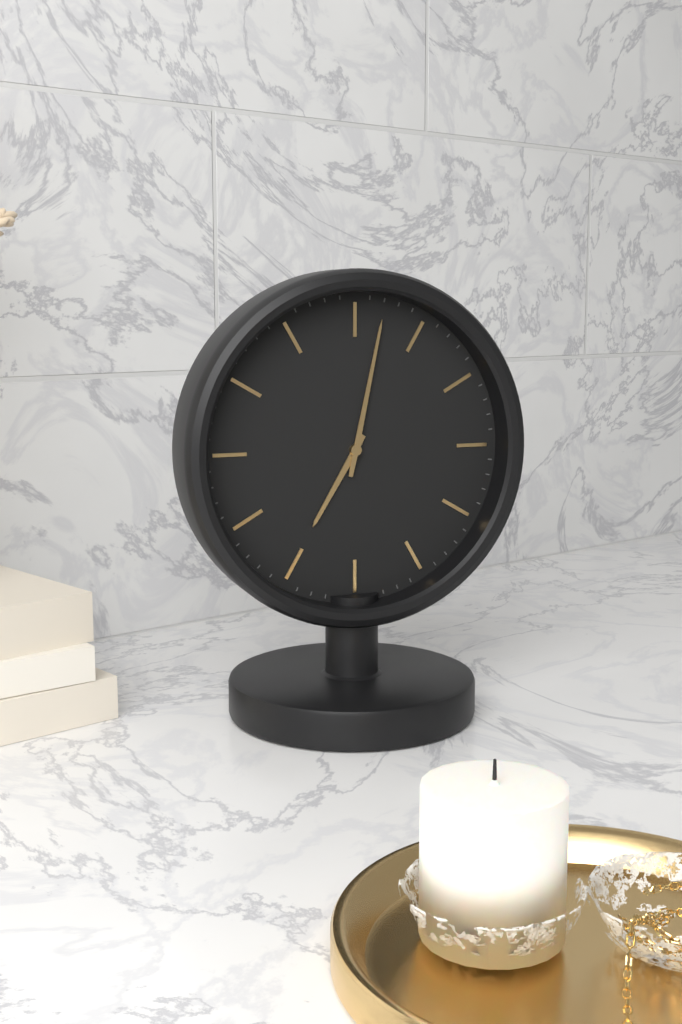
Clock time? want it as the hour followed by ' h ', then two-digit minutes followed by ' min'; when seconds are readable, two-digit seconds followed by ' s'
7 h 02 min
